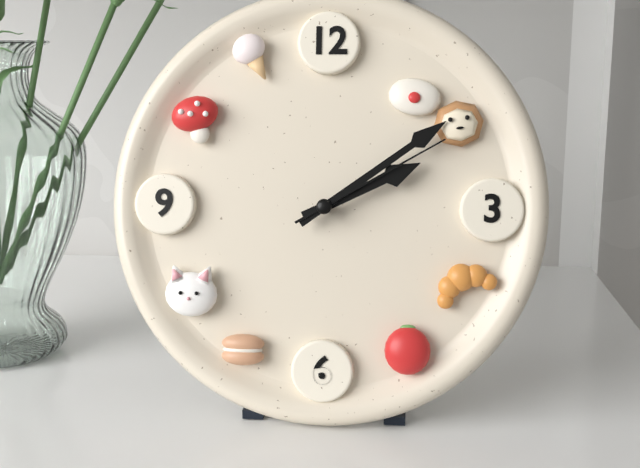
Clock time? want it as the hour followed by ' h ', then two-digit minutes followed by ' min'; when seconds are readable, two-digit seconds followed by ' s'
2 h 09 min 10 s
